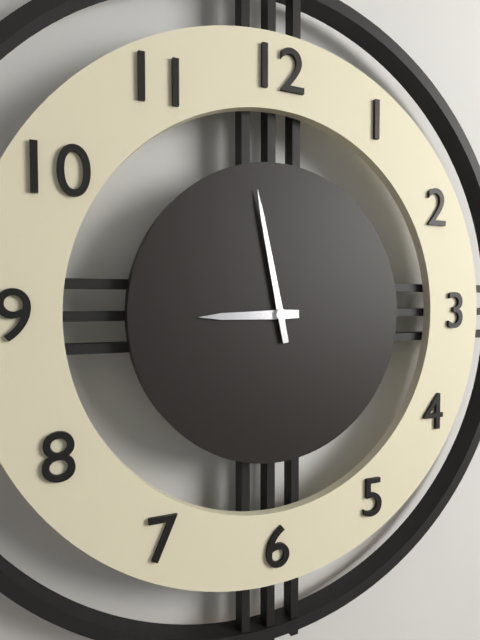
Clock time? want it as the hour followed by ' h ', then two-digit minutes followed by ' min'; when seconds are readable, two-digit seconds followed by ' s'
8 h 58 min
